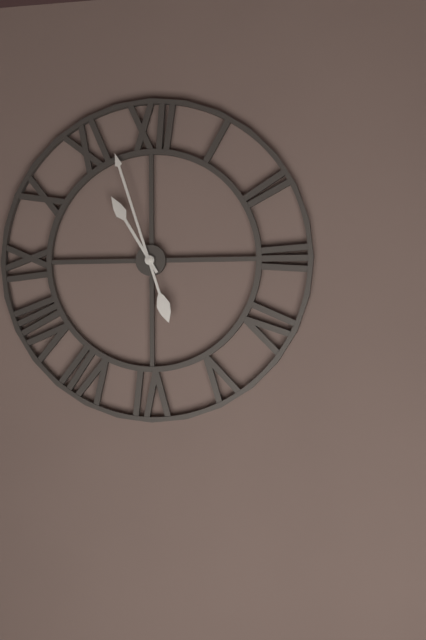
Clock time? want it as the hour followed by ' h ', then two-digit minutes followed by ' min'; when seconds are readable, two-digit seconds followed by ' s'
10 h 57 min
